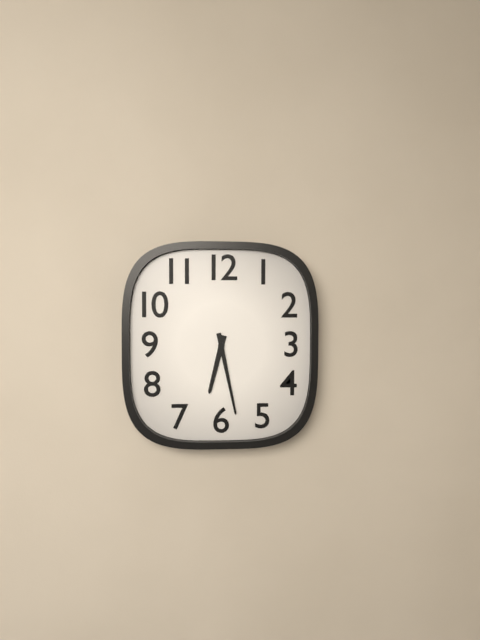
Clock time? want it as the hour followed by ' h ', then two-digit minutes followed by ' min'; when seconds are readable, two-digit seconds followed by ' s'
6 h 28 min
